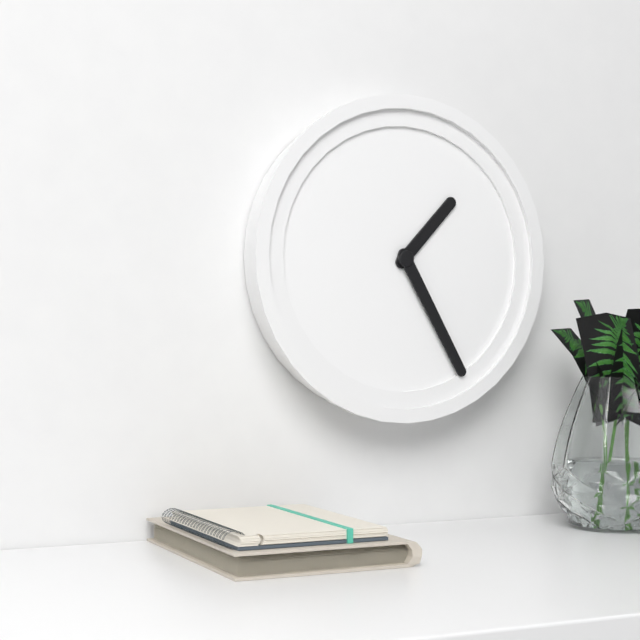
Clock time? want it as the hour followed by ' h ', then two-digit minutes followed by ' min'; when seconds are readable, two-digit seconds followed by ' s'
1 h 25 min
